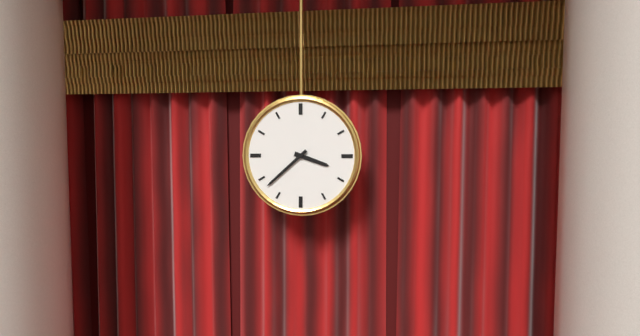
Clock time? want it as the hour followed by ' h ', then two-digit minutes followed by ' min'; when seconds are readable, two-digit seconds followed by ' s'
3 h 38 min
